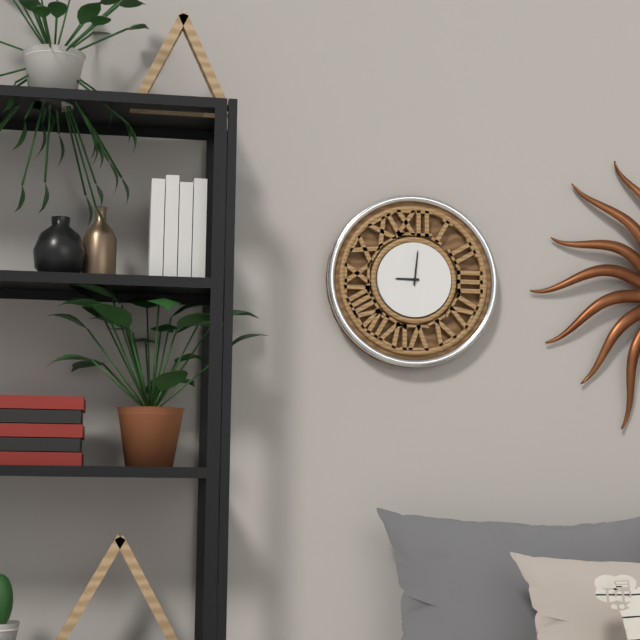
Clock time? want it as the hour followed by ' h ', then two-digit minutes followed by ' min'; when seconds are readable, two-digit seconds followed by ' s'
9 h 01 min
